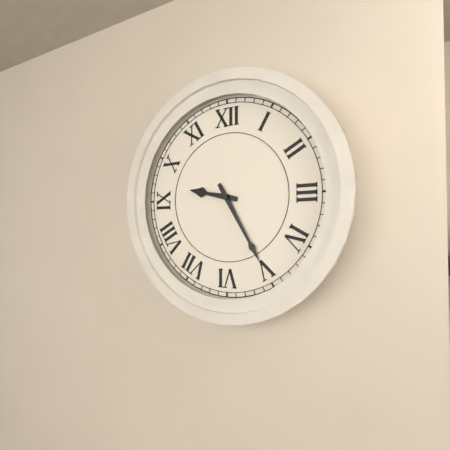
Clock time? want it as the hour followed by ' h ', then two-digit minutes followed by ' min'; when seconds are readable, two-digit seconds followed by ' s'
9 h 25 min
